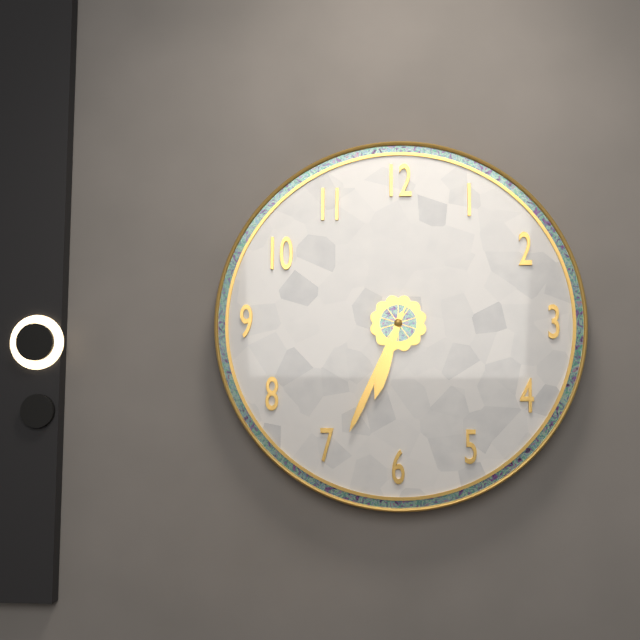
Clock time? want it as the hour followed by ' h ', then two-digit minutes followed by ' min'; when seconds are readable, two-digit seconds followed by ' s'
6 h 34 min 34 s
